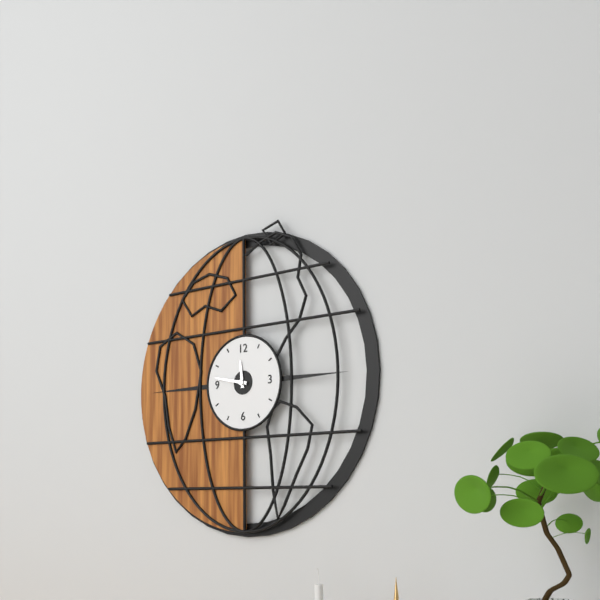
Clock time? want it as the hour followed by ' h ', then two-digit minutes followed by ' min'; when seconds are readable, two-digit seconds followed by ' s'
11 h 47 min
